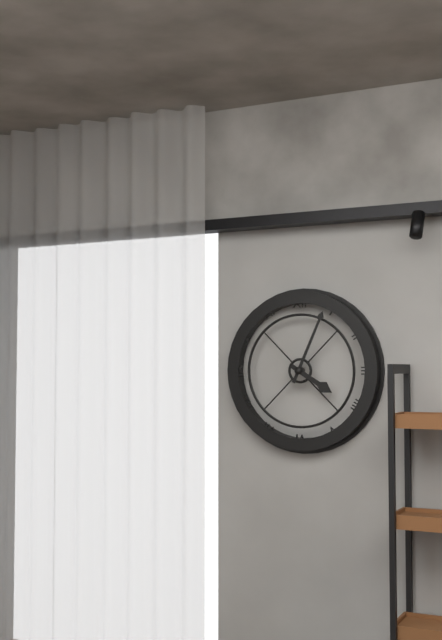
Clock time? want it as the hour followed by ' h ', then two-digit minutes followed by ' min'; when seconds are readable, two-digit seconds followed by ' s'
4 h 04 min
